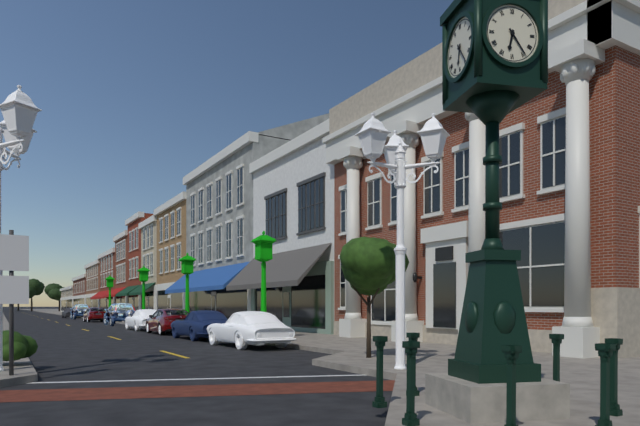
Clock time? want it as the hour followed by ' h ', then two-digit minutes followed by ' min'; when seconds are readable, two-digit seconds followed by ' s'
6 h 24 min
